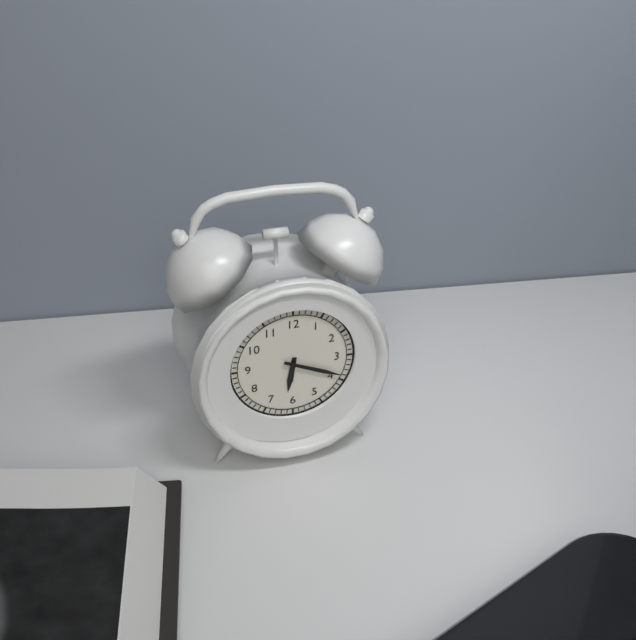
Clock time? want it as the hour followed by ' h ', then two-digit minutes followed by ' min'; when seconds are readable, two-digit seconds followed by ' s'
6 h 19 min
